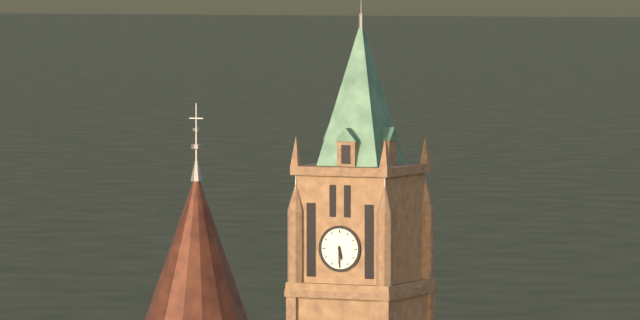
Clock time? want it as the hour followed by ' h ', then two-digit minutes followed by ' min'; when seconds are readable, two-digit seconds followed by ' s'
5 h 30 min
